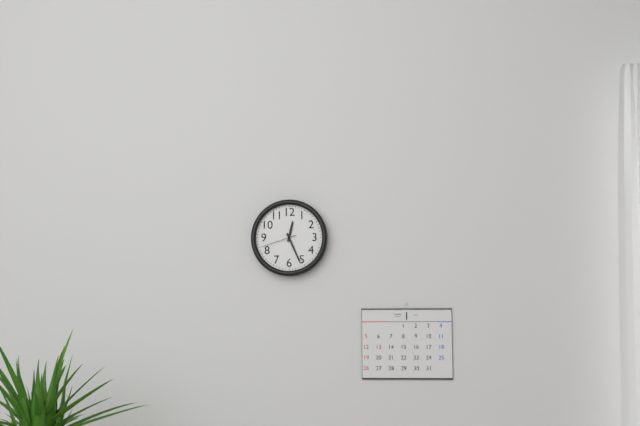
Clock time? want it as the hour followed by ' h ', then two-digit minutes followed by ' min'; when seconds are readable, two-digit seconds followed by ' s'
12 h 26 min
